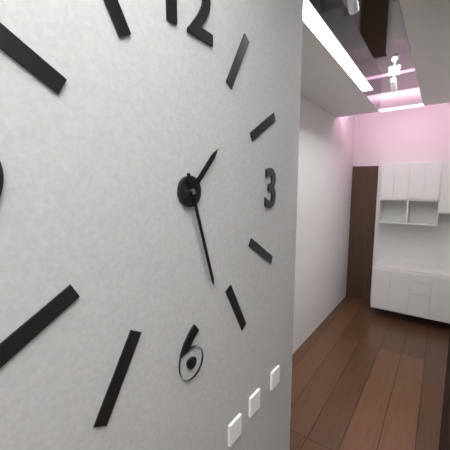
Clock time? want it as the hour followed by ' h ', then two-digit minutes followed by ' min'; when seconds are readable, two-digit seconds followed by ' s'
1 h 27 min
